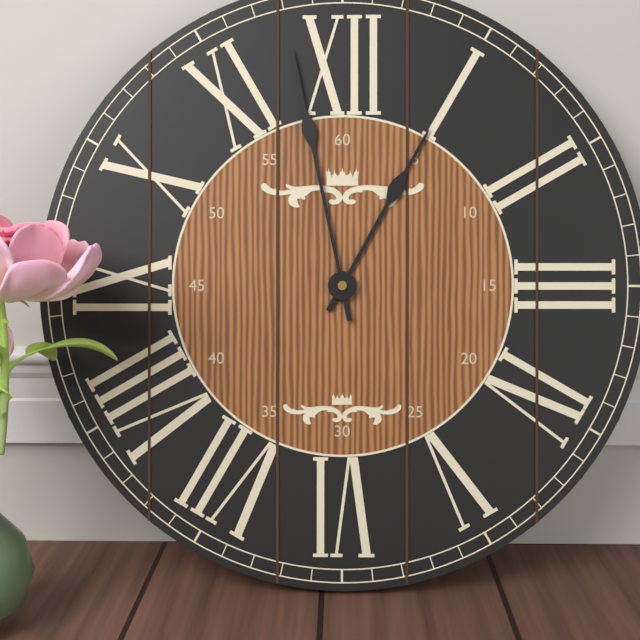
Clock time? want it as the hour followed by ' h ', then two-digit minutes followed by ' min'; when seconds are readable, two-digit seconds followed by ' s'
12 h 58 min
